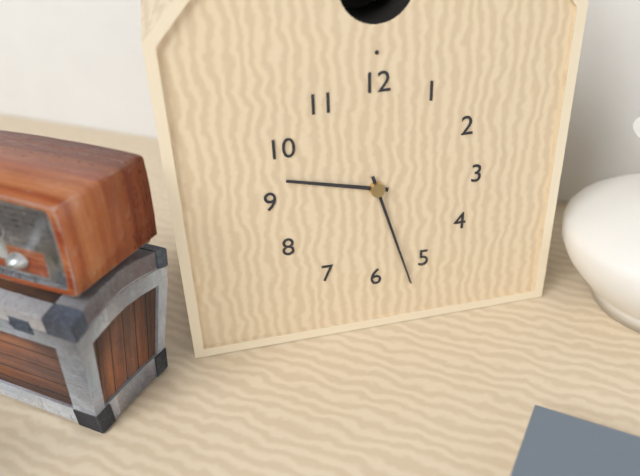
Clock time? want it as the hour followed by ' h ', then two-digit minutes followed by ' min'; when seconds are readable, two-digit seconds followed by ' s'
9 h 27 min
